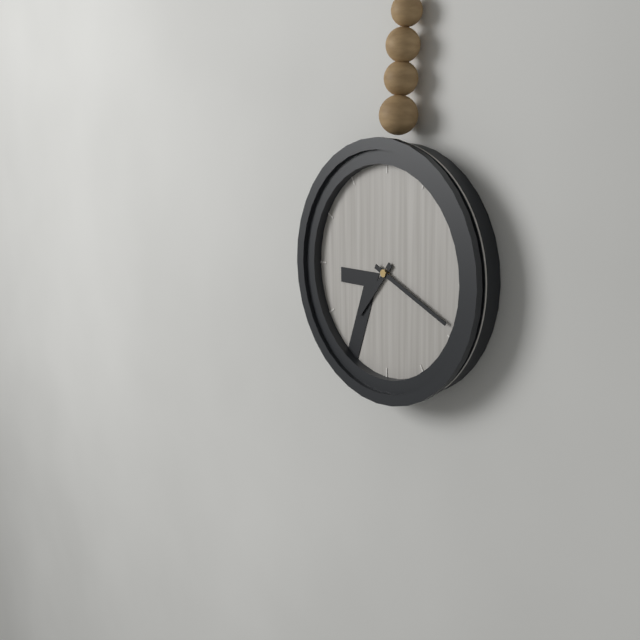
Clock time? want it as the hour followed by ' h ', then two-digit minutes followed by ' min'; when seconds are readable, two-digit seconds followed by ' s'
7 h 19 min
